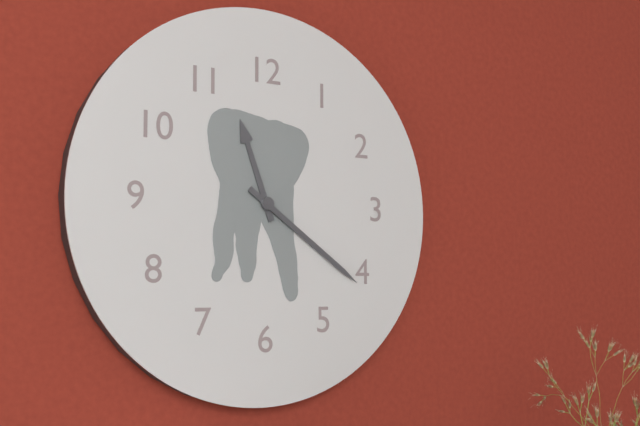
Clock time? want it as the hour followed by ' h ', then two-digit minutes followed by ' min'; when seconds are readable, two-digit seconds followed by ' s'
11 h 21 min
